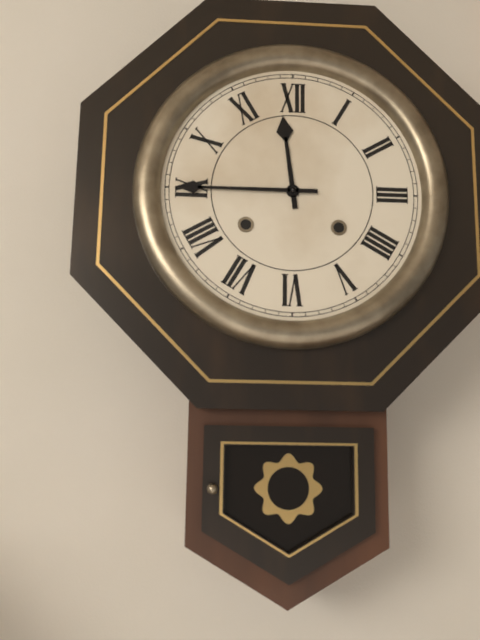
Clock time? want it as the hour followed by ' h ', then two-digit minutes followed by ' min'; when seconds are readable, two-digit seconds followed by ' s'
11 h 45 min
